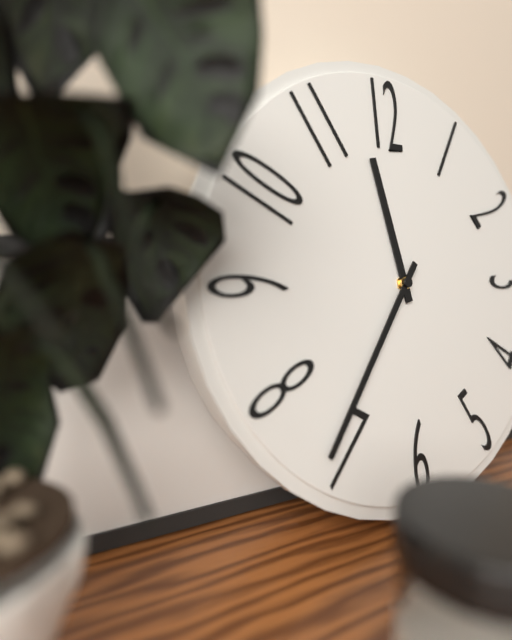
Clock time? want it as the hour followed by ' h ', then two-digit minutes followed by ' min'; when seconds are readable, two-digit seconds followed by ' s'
11 h 36 min
